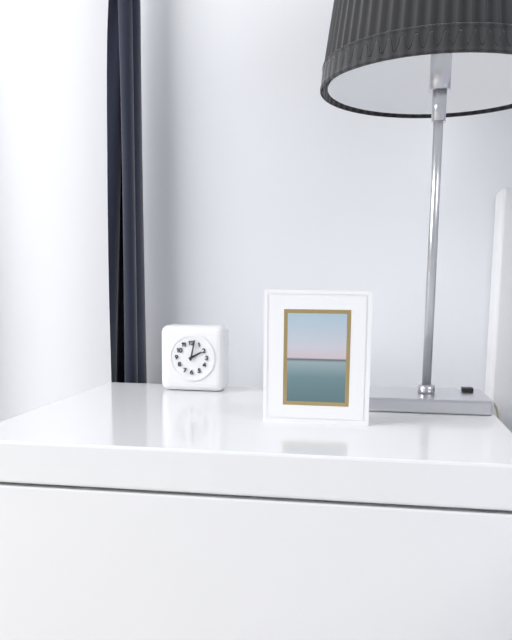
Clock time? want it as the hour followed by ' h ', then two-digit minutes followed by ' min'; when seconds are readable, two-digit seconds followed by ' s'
2 h 02 min
